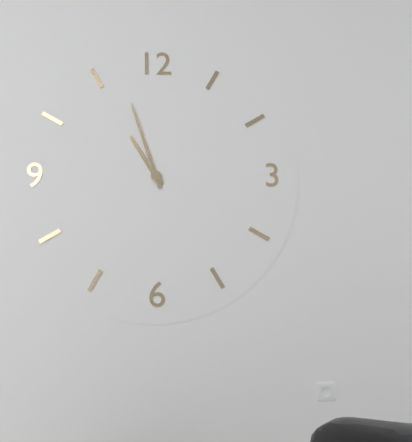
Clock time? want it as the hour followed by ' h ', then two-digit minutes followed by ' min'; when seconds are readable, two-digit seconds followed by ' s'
10 h 57 min
